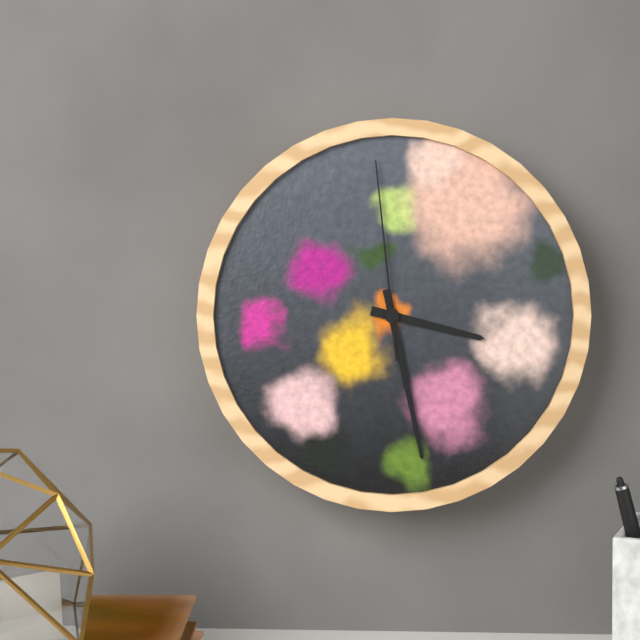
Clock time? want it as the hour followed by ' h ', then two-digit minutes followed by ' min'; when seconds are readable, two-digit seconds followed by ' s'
3 h 28 min 59 s
